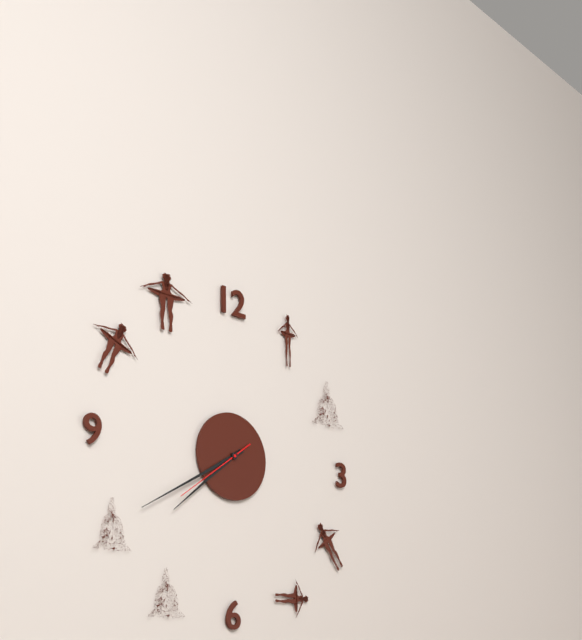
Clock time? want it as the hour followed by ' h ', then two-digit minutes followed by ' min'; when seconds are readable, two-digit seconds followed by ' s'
7 h 40 min 39 s
